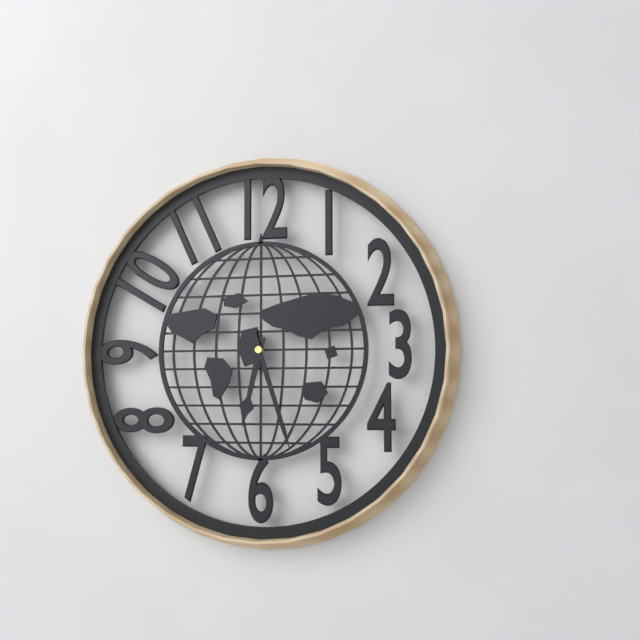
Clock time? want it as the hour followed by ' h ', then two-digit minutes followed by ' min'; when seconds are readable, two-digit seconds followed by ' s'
6 h 27 min
